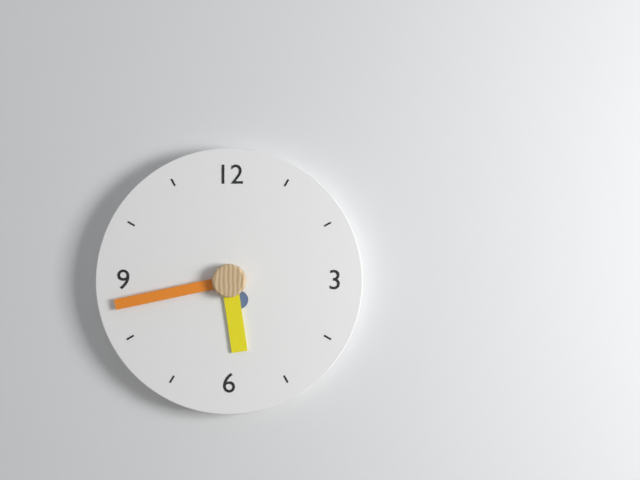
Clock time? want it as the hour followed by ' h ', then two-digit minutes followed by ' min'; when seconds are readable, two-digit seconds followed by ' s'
5 h 43 min
